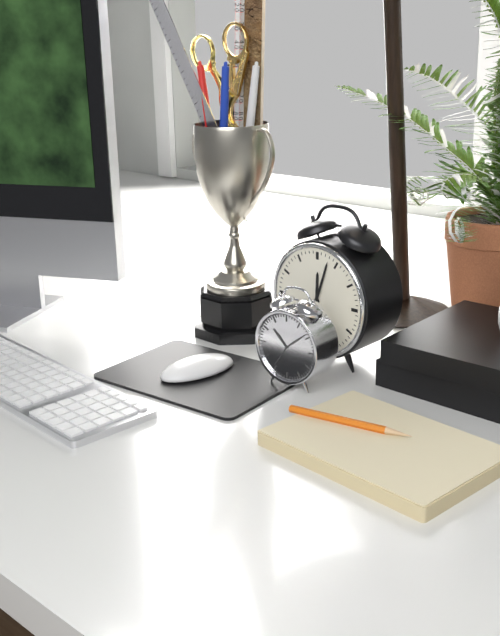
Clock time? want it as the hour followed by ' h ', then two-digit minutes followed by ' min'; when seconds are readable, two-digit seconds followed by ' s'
12 h 03 min
